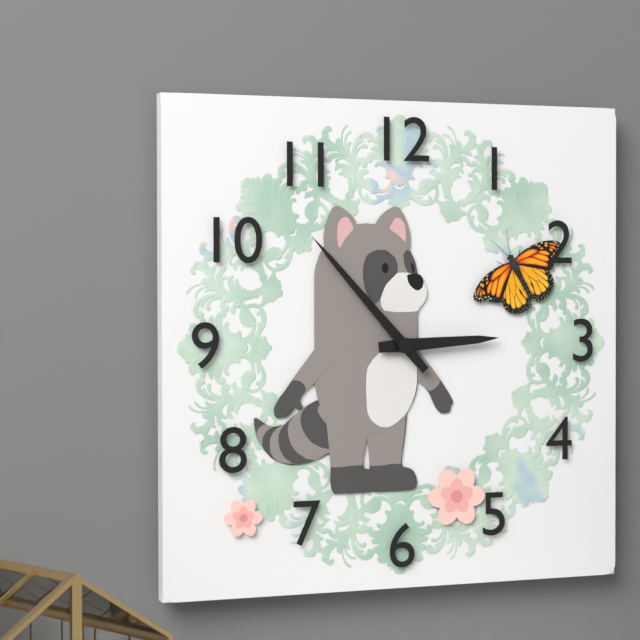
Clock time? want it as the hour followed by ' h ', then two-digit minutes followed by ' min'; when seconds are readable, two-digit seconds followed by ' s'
2 h 53 min
